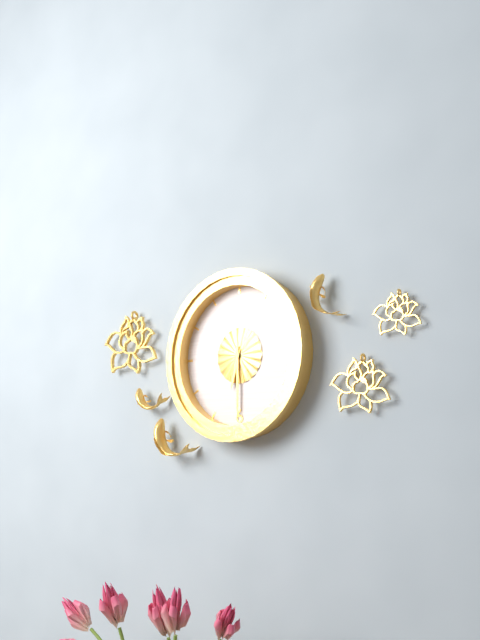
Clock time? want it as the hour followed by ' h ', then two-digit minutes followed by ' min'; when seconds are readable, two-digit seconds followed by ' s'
6 h 30 min
